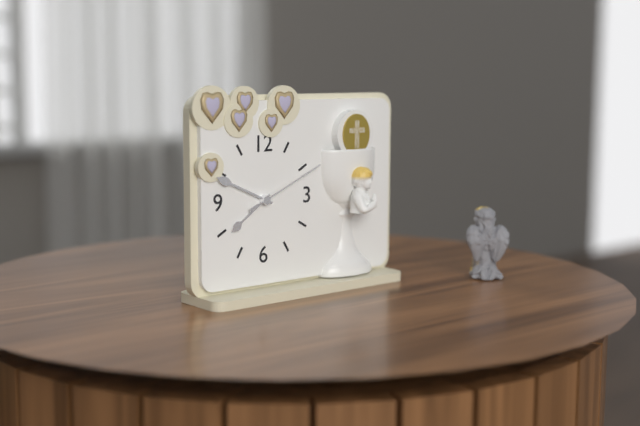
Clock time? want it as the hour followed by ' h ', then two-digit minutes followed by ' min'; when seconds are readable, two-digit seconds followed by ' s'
7 h 49 min 11 s
